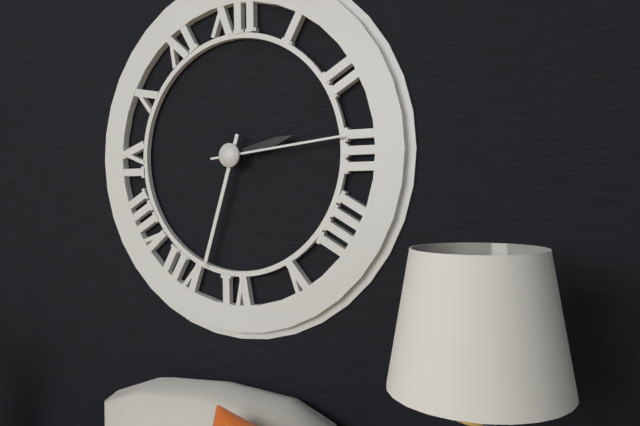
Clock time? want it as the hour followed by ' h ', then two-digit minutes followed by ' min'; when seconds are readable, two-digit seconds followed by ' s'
2 h 33 min 14 s
